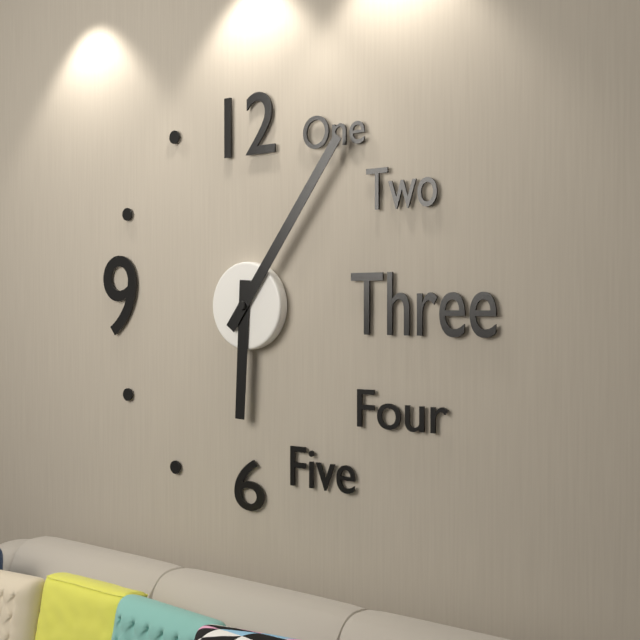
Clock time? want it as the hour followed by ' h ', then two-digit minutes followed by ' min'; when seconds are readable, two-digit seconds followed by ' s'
6 h 06 min
